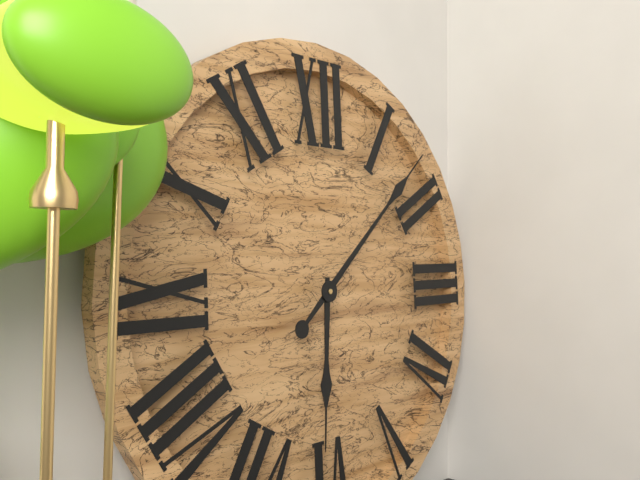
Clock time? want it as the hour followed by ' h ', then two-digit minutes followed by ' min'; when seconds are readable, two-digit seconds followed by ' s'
6 h 08 min
